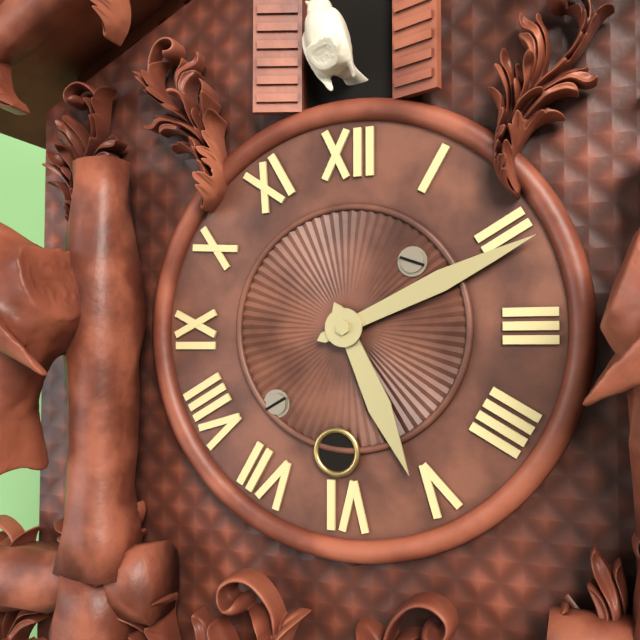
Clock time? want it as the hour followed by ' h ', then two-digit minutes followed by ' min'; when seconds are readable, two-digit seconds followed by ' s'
5 h 11 min
